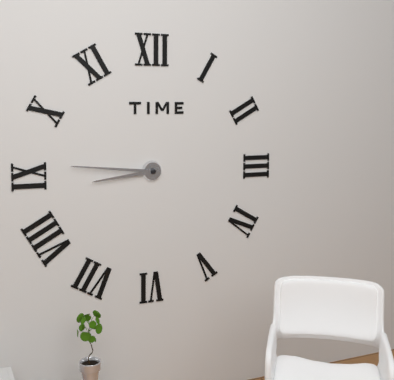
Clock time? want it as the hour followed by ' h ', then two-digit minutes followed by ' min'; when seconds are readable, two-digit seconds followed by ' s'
8 h 46 min
